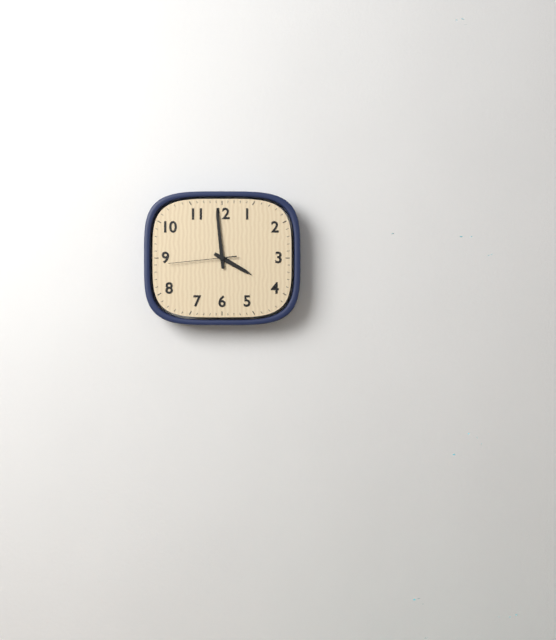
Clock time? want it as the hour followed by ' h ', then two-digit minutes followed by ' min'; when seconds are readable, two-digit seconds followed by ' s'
3 h 59 min 44 s
